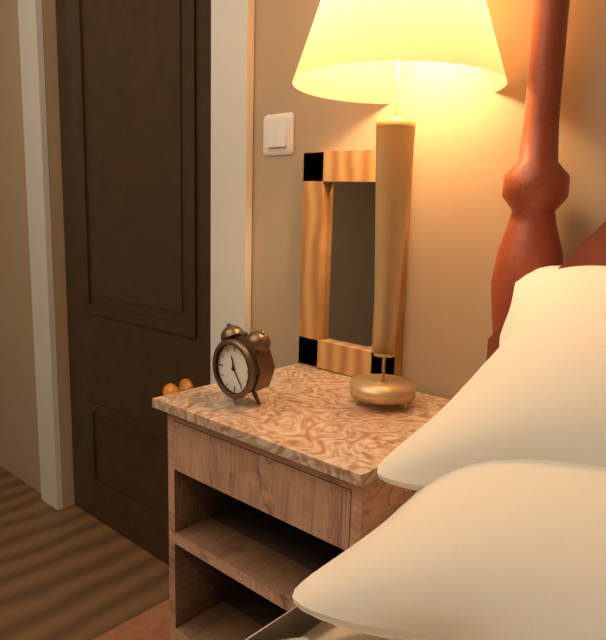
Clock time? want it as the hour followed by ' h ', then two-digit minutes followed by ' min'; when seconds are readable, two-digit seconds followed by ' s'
11 h 24 min
